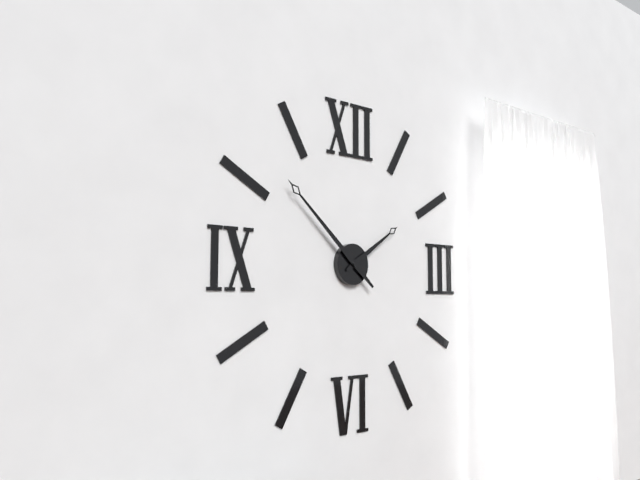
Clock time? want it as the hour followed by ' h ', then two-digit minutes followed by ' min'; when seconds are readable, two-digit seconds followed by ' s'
1 h 52 min
